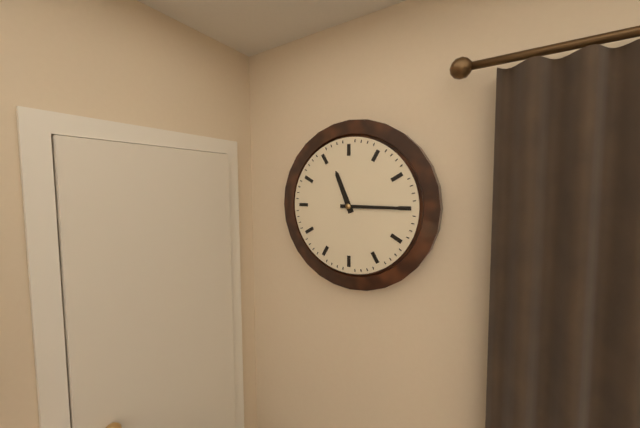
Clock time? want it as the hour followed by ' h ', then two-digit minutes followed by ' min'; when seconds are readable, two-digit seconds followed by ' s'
11 h 15 min
